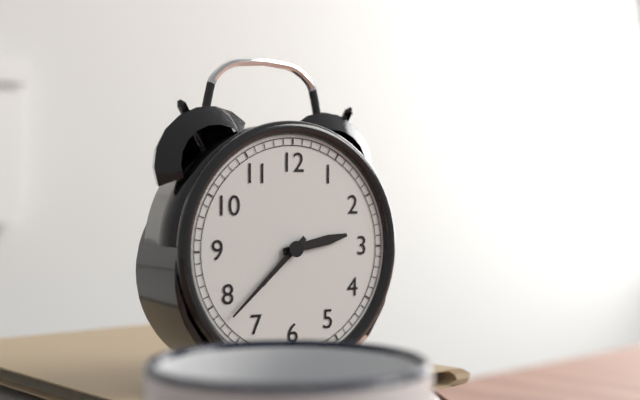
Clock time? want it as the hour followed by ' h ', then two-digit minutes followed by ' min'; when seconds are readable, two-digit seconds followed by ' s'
2 h 38 min
